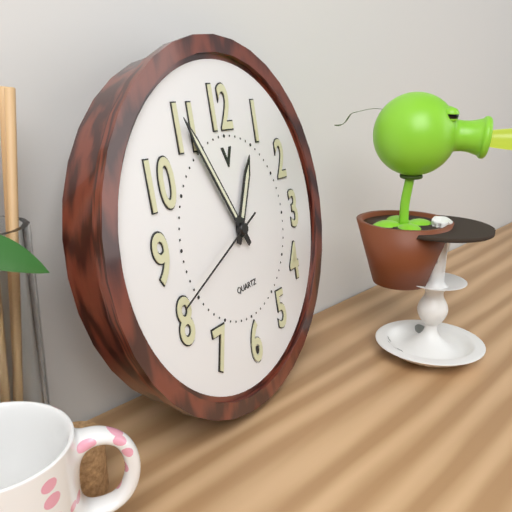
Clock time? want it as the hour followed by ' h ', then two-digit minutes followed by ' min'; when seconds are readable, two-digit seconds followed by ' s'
12 h 55 min 41 s
